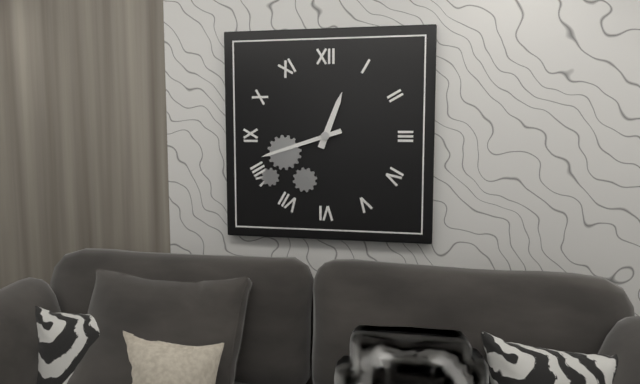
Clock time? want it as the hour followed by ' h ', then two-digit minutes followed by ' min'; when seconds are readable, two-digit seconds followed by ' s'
12 h 42 min
